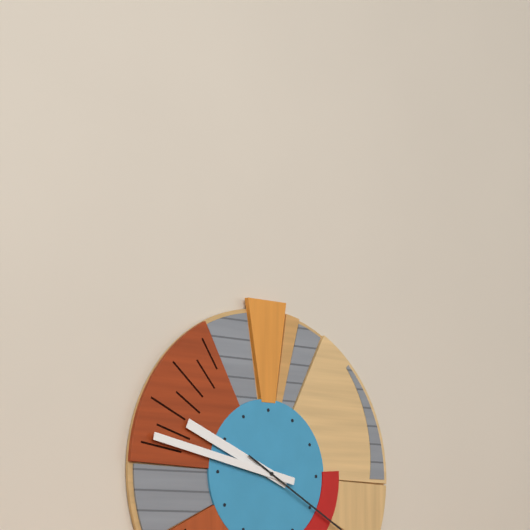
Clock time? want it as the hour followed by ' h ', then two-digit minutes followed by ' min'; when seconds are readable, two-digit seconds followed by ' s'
9 h 47 min 20 s
